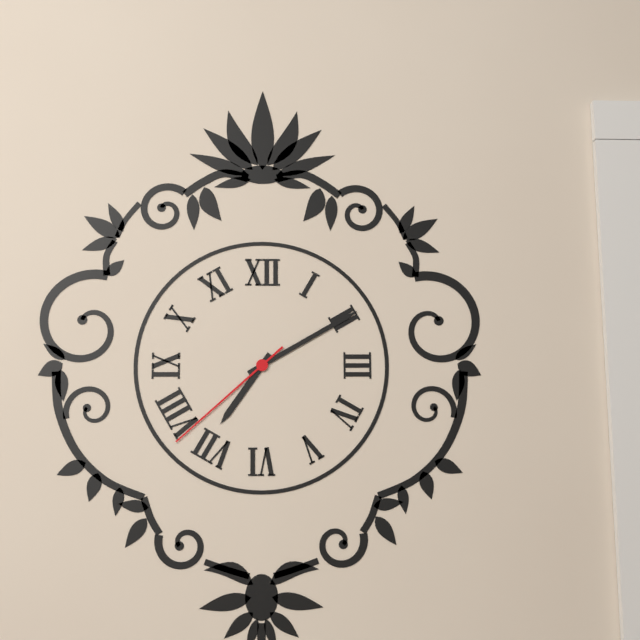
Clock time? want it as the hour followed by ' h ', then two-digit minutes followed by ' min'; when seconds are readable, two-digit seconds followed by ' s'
7 h 10 min 38 s
